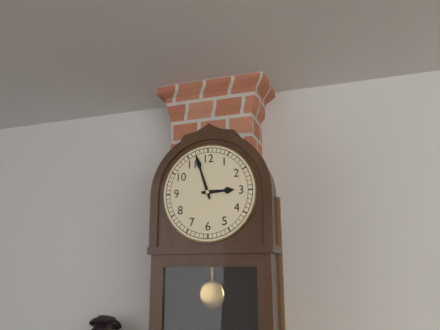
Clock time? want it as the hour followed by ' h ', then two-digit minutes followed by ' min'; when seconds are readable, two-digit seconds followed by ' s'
2 h 57 min
